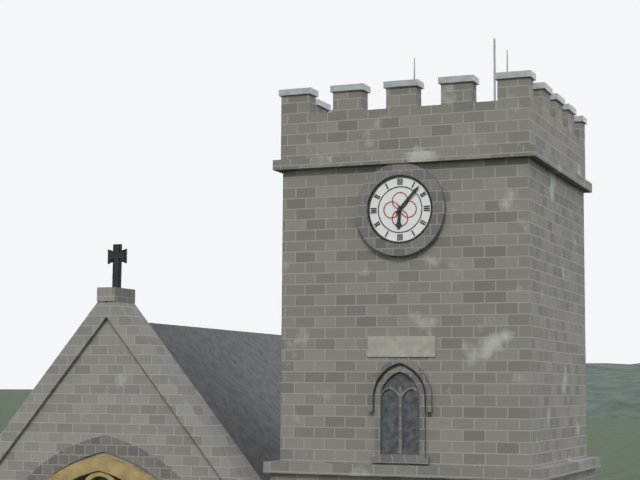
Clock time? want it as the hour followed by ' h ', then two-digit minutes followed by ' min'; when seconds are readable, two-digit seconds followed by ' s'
6 h 07 min
